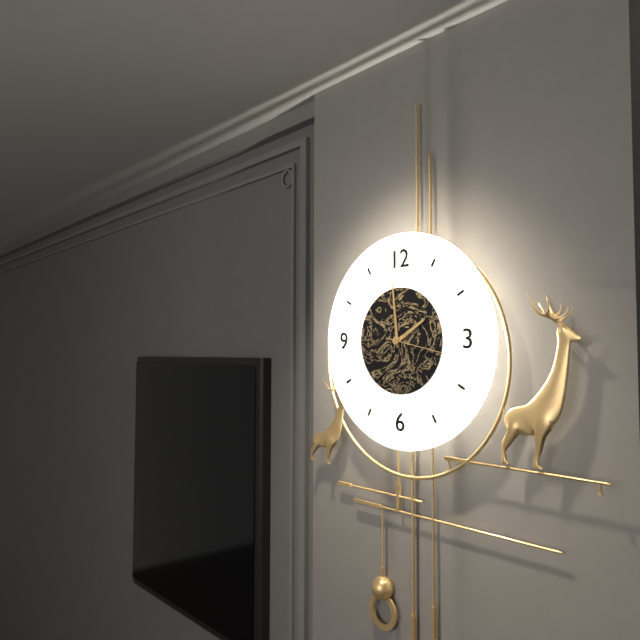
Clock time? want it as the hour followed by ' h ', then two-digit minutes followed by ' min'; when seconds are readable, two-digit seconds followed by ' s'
1 h 59 min 17 s
